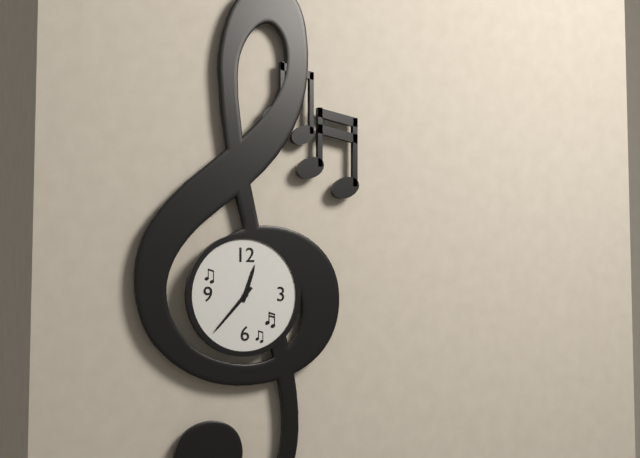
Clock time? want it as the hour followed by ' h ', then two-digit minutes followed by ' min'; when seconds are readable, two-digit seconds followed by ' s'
12 h 37 min
